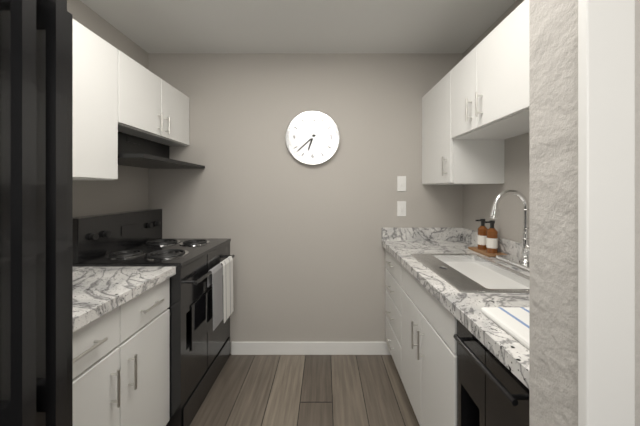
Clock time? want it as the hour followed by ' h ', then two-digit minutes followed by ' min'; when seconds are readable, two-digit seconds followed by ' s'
6 h 38 min
